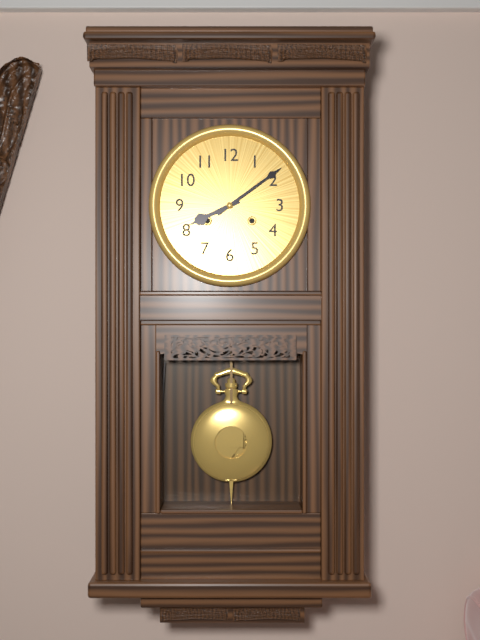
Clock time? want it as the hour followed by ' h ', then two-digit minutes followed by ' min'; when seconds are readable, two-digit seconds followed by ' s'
8 h 09 min
